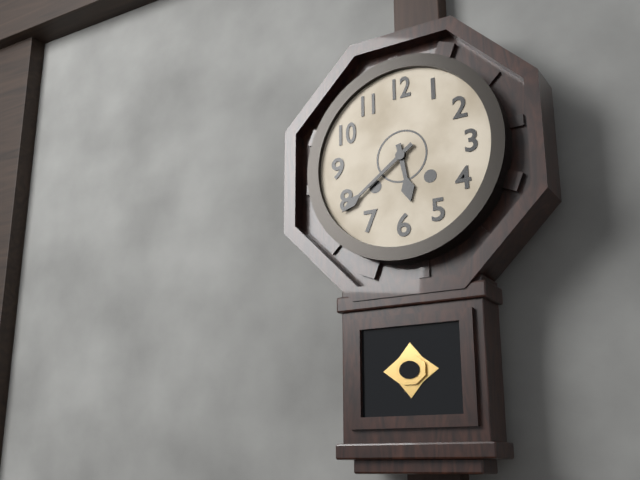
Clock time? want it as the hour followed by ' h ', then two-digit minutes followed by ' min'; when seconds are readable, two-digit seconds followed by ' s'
5 h 39 min
